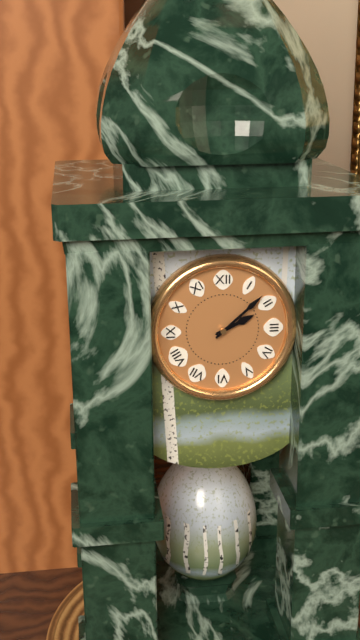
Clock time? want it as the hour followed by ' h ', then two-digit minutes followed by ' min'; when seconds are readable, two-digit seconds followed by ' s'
2 h 08 min
